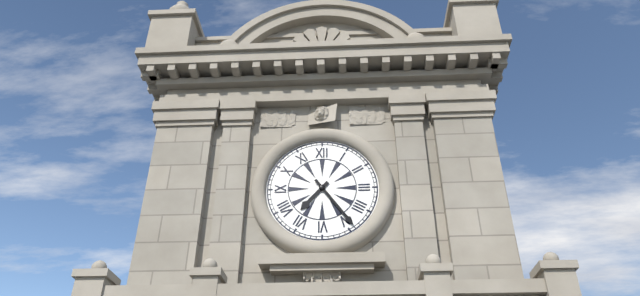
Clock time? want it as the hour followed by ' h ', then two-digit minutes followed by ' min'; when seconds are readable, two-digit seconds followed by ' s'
7 h 24 min
